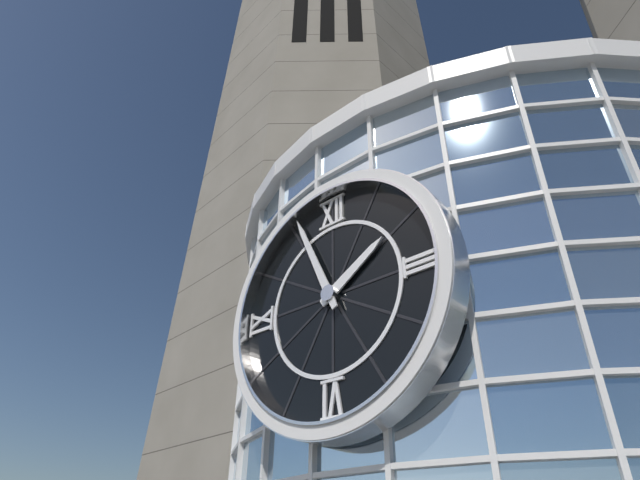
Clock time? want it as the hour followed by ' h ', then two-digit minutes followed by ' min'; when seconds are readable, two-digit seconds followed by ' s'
1 h 56 min
